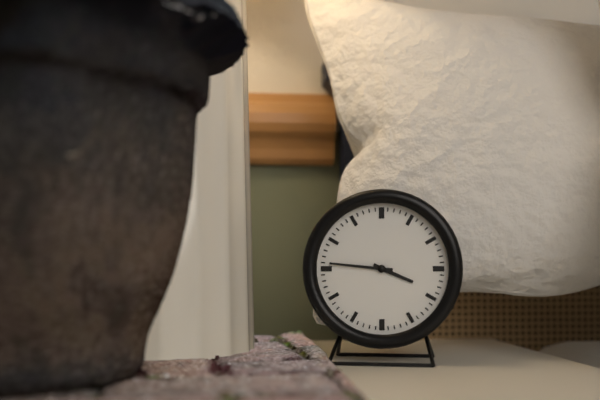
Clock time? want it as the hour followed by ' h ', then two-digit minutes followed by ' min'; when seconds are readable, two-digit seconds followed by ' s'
3 h 46 min
